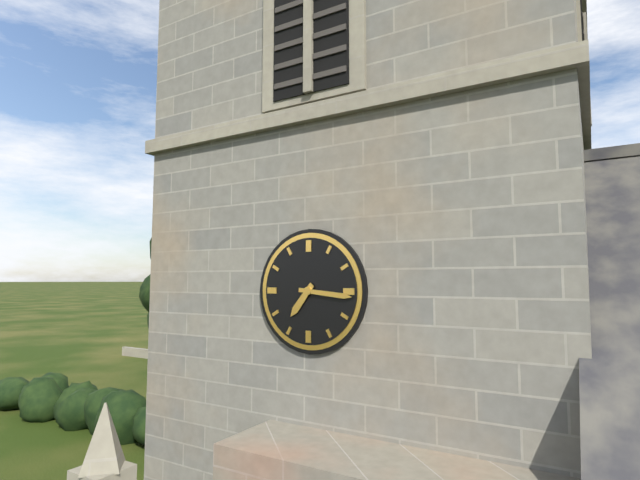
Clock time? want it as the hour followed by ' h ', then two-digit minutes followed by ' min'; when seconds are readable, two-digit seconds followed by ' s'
7 h 16 min
